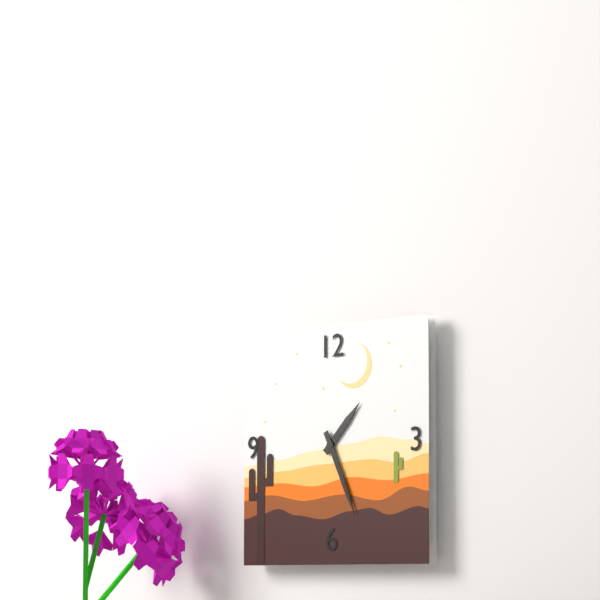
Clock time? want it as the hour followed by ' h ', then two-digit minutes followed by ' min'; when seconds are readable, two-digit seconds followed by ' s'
1 h 26 min
